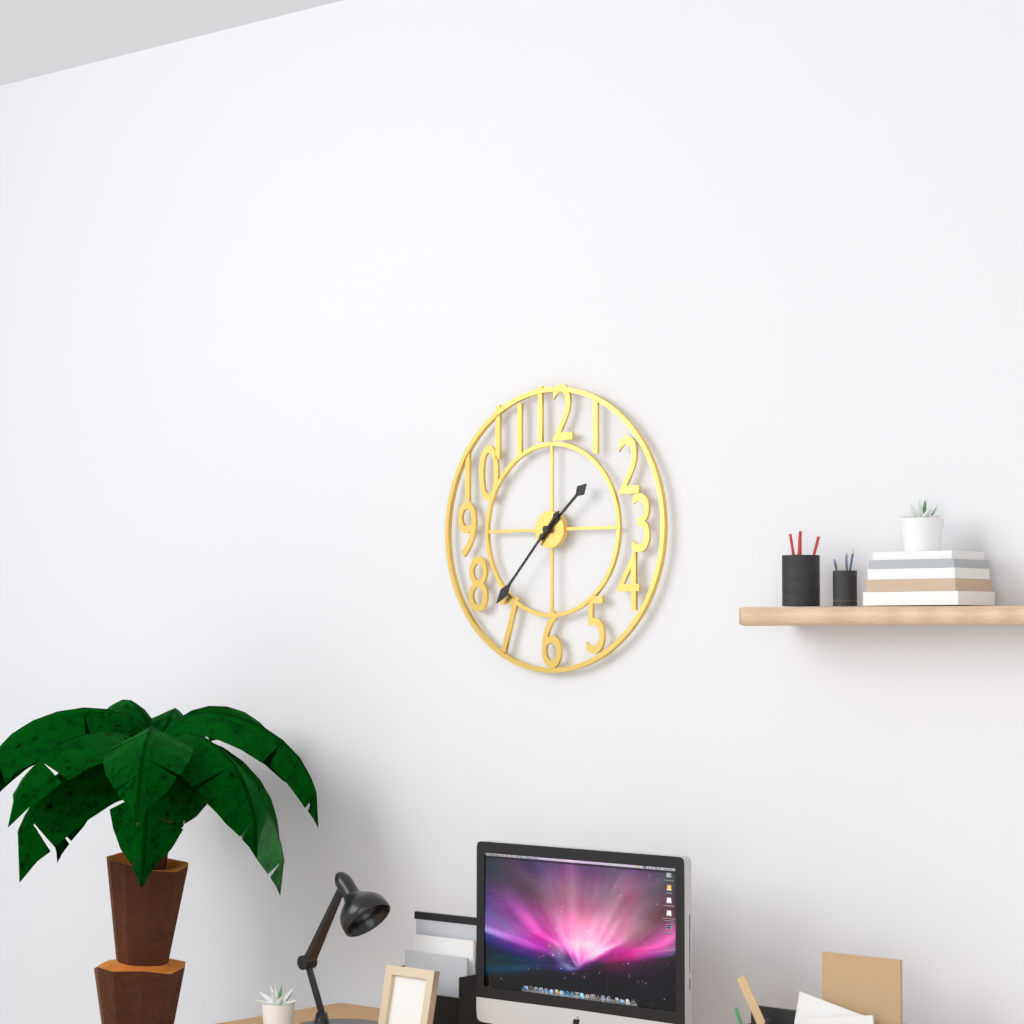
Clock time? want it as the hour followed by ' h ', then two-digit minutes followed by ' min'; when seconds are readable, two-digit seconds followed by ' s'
1 h 37 min
